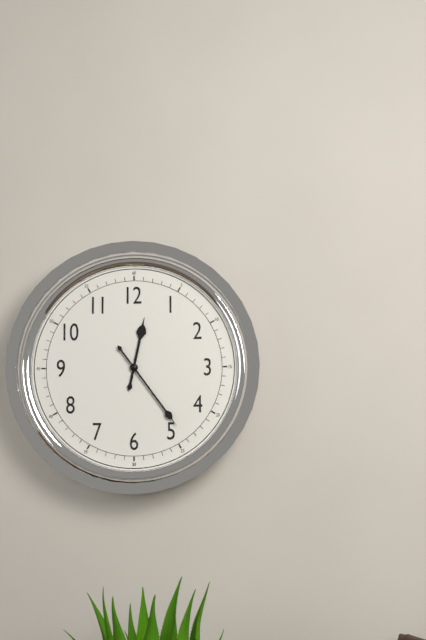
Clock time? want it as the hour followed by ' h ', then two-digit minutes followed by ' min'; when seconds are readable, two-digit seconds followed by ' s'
12 h 24 min
